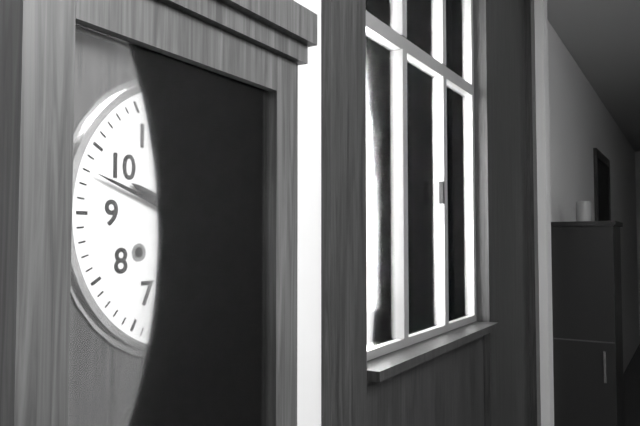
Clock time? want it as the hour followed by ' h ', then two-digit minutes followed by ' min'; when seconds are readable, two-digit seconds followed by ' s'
9 h 48 min
